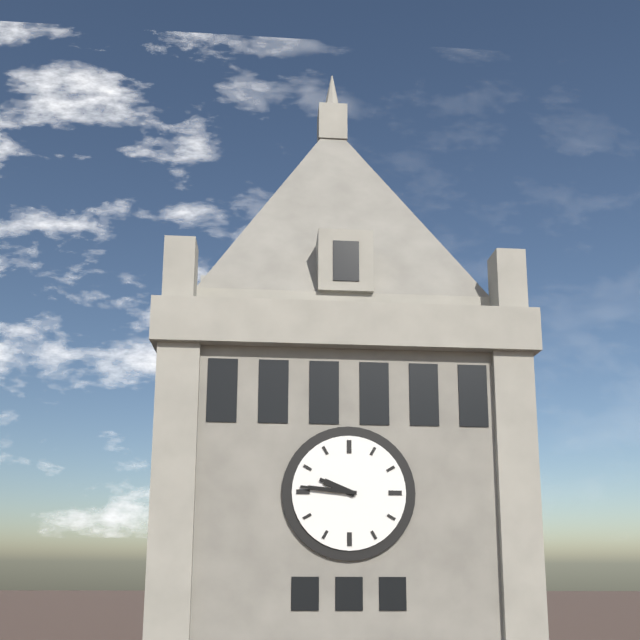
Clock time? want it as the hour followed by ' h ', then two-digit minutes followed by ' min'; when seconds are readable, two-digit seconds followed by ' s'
9 h 46 min
